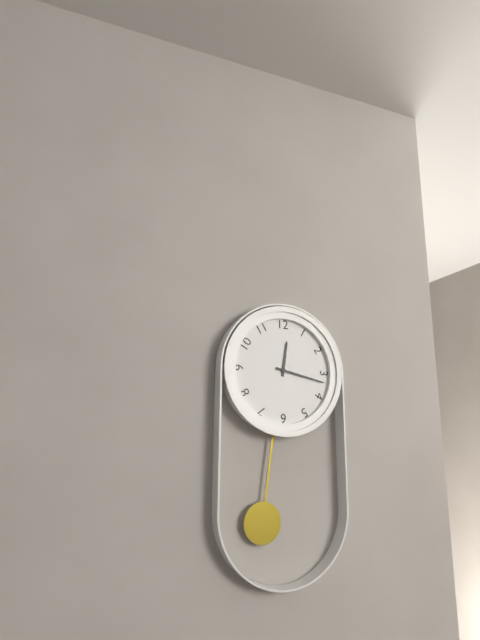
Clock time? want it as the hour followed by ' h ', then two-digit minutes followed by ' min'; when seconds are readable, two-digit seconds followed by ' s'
12 h 17 min
